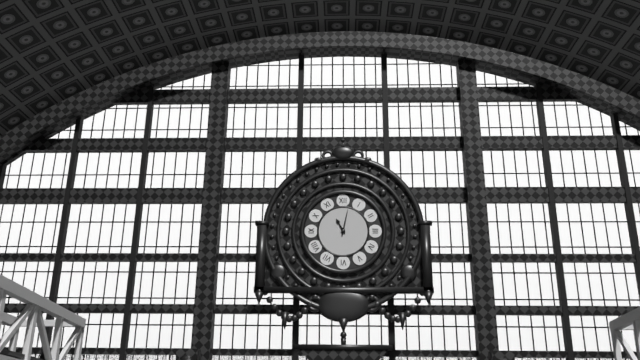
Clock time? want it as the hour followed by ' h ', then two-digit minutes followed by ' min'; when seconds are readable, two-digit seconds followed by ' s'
11 h 02 min
